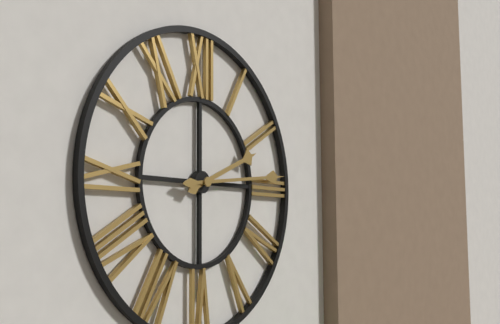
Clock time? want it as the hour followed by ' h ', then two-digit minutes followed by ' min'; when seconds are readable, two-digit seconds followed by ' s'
2 h 14 min
